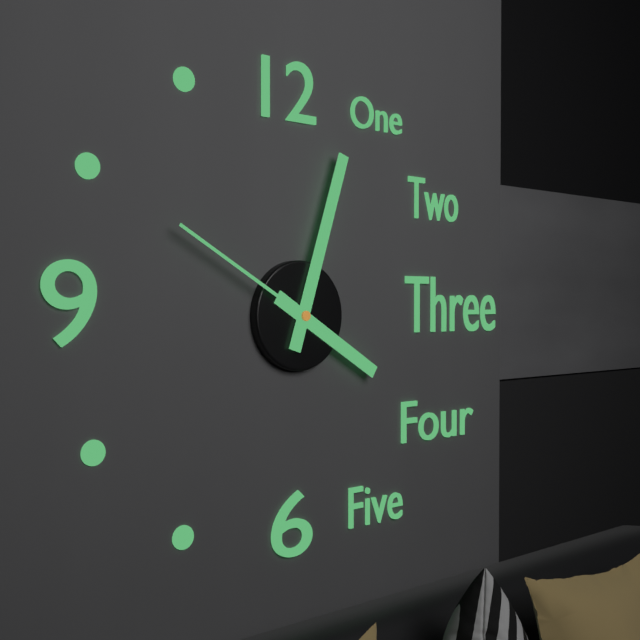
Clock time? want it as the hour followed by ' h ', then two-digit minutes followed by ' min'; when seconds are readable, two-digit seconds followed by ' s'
4 h 03 min 50 s
